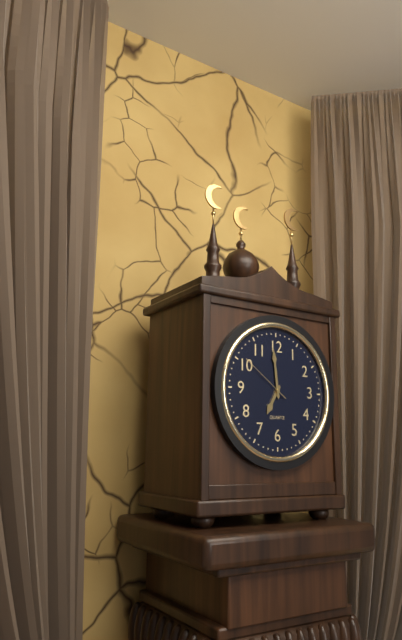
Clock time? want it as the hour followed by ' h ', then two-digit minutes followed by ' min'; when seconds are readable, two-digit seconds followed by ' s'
6 h 59 min 51 s
